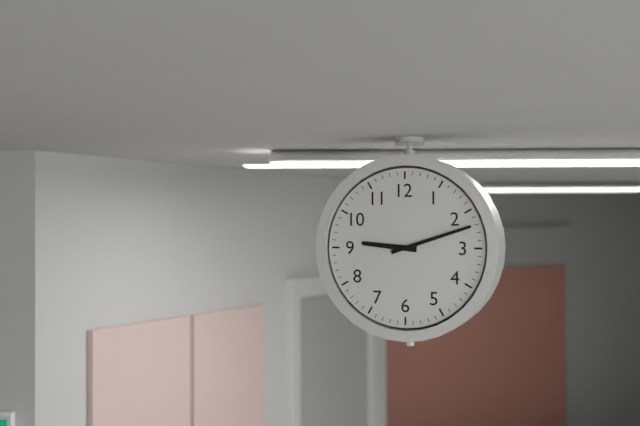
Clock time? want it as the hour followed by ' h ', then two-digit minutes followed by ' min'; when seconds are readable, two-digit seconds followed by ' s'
9 h 12 min
